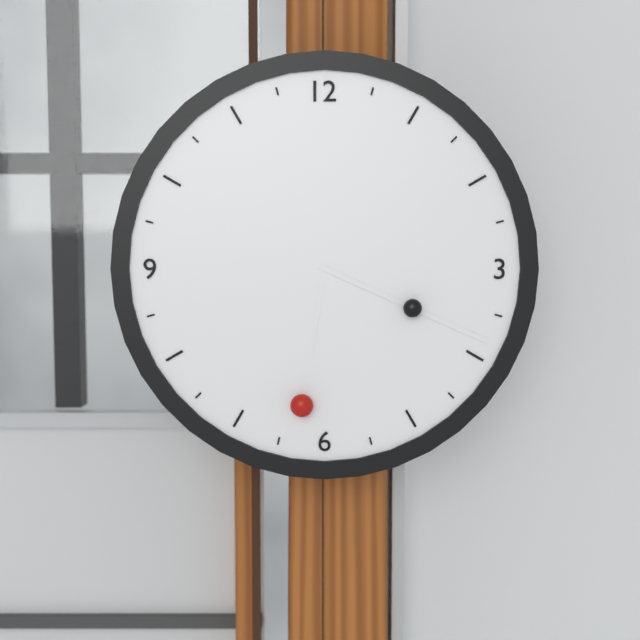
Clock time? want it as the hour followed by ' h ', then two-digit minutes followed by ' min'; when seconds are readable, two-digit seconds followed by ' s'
6 h 19 min
